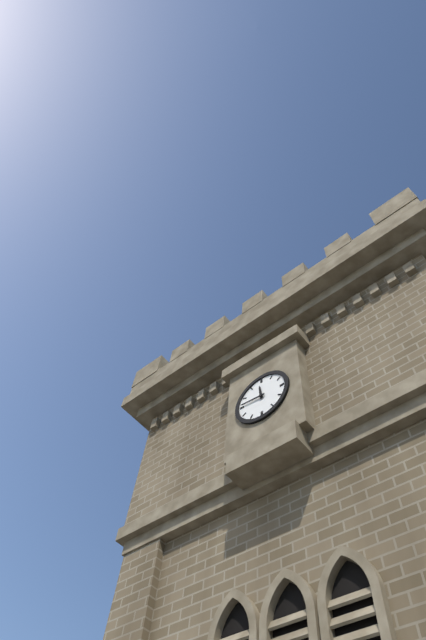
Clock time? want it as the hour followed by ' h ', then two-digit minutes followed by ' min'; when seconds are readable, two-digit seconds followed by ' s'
11 h 46 min
